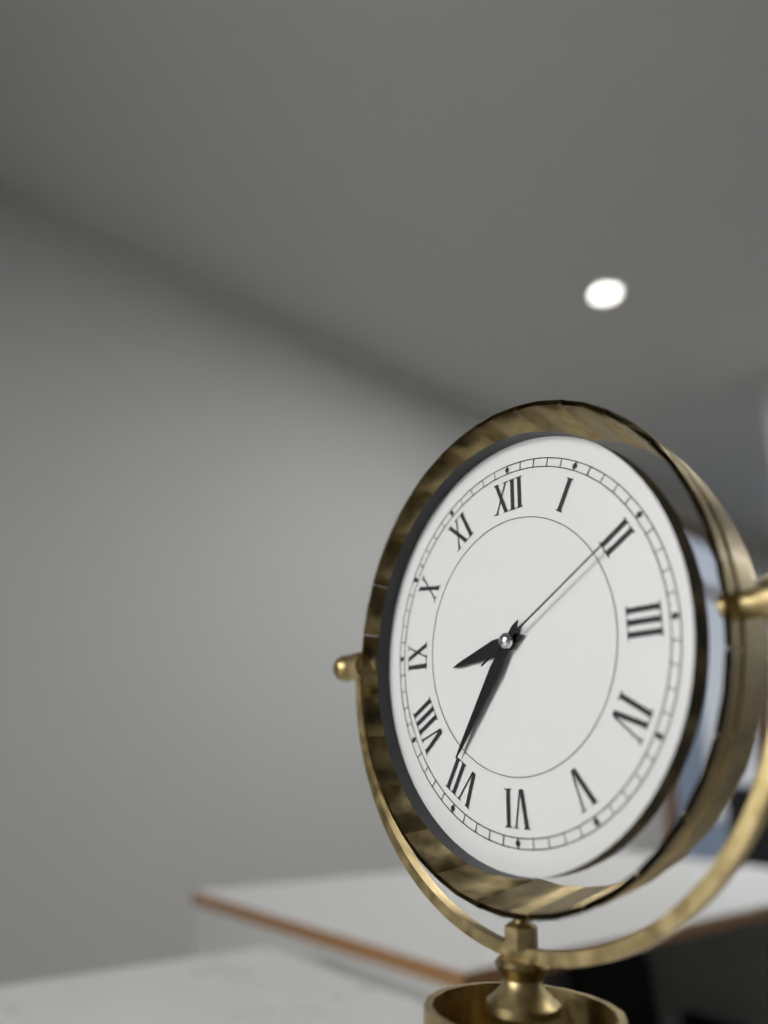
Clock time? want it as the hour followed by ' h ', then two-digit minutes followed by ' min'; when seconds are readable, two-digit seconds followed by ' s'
8 h 36 min 10 s
